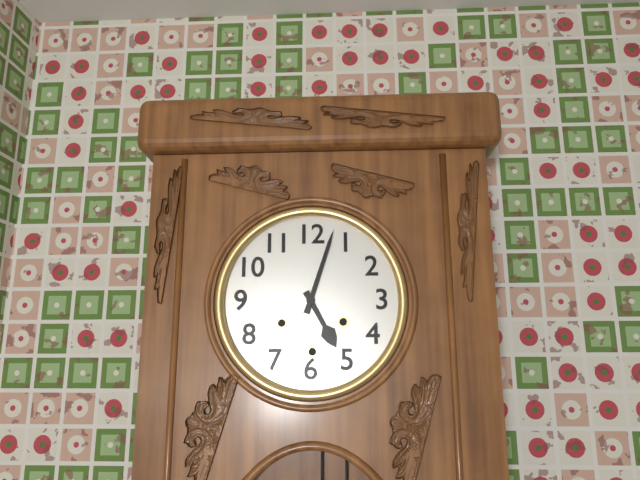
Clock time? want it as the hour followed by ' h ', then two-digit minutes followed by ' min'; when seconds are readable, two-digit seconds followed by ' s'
5 h 03 min
